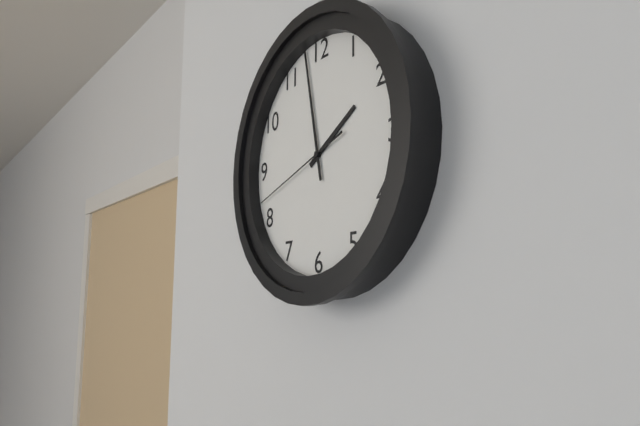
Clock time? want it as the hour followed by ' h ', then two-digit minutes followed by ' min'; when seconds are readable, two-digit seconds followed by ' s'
1 h 58 min 42 s
